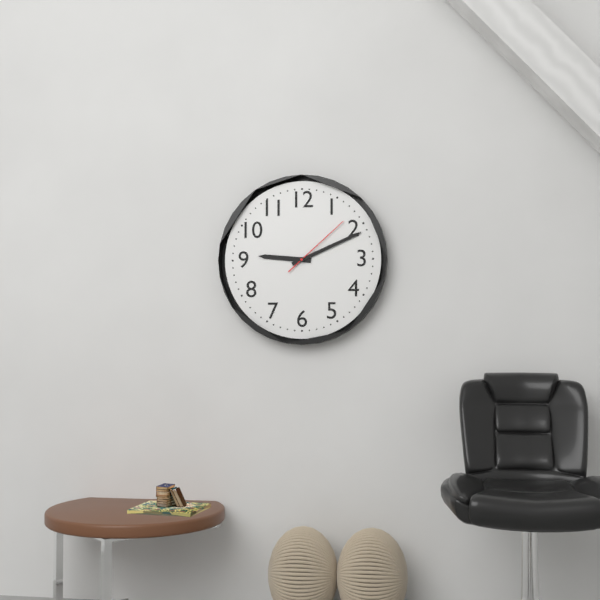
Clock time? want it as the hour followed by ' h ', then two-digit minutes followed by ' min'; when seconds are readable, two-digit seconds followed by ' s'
9 h 11 min 08 s
